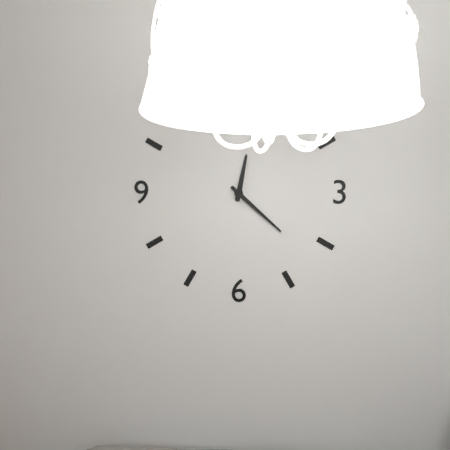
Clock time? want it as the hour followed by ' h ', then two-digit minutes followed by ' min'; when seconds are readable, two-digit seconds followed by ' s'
12 h 22 min
